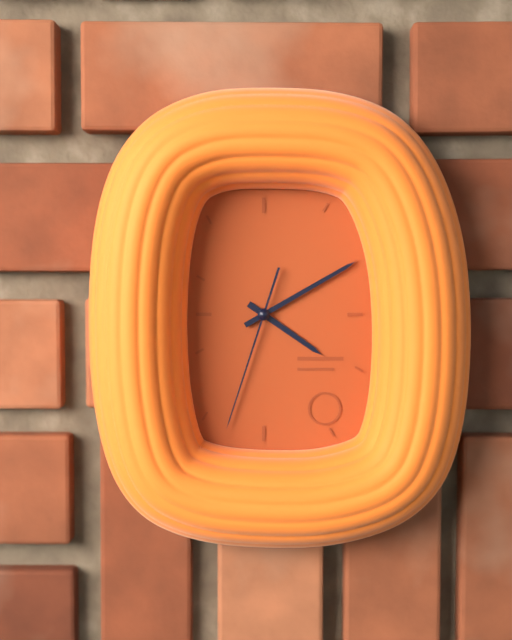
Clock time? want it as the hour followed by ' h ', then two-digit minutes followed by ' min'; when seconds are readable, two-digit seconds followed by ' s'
4 h 10 min 33 s
